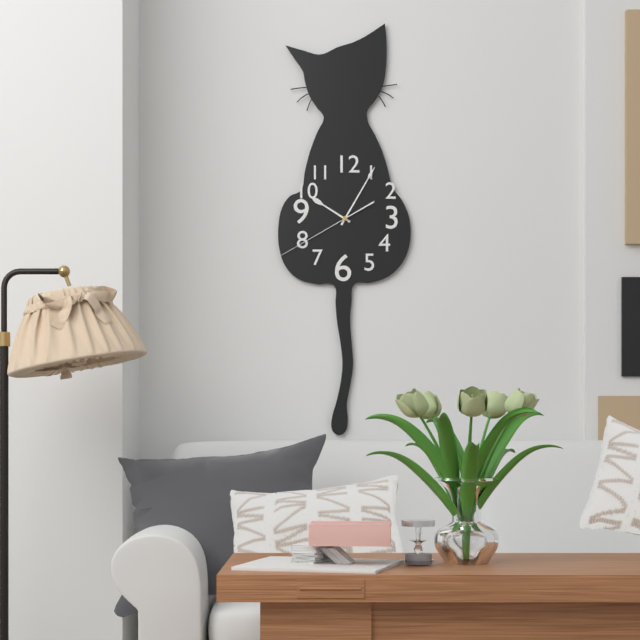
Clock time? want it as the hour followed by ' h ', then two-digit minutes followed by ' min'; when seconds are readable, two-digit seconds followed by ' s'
10 h 05 min 40 s
